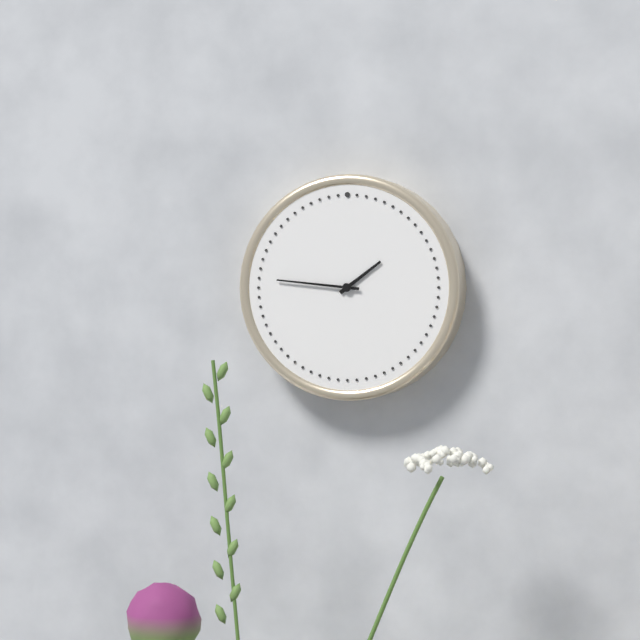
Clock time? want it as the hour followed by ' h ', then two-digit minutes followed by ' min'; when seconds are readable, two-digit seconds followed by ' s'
1 h 46 min
